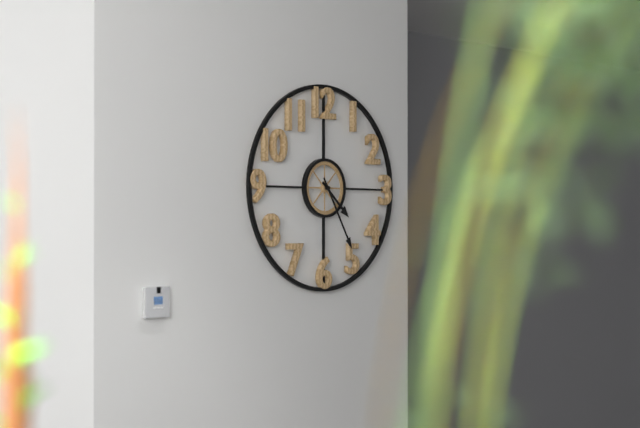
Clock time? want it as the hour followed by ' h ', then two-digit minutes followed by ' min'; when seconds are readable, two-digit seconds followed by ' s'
4 h 25 min
